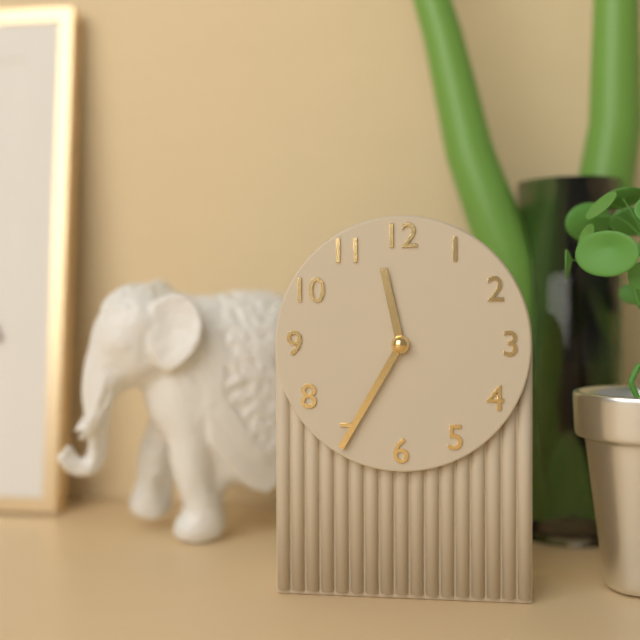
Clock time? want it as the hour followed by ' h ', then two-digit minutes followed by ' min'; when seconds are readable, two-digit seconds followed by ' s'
11 h 35 min
